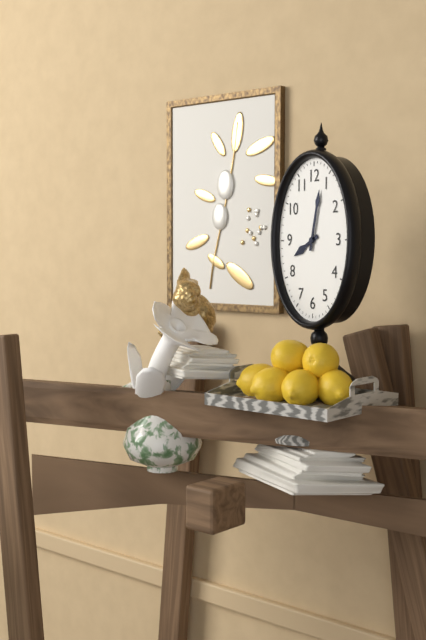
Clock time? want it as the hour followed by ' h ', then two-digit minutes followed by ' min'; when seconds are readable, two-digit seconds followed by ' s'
8 h 02 min
